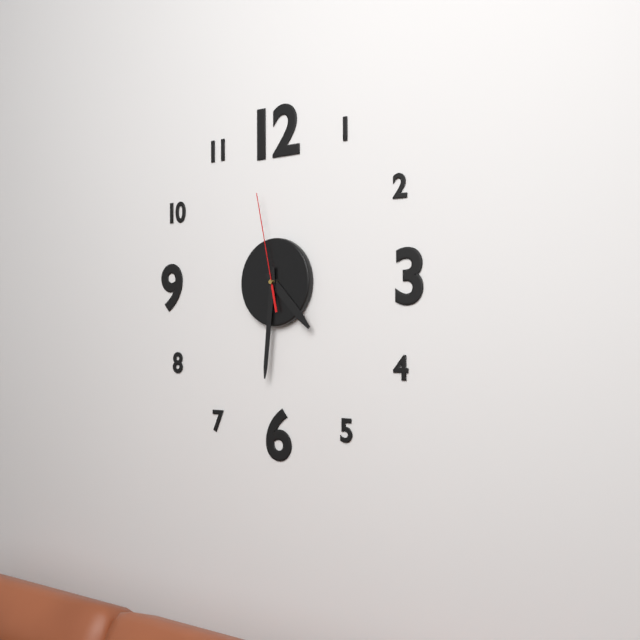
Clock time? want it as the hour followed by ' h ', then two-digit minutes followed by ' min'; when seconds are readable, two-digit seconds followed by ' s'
4 h 31 min 58 s
